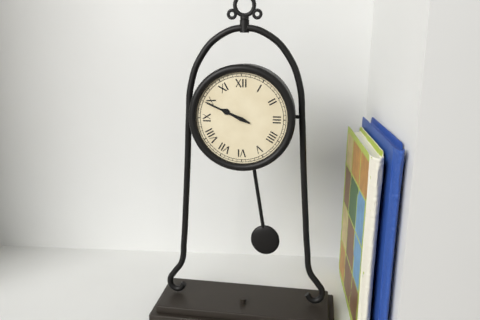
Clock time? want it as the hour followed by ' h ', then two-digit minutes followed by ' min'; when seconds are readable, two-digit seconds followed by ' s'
9 h 49 min
